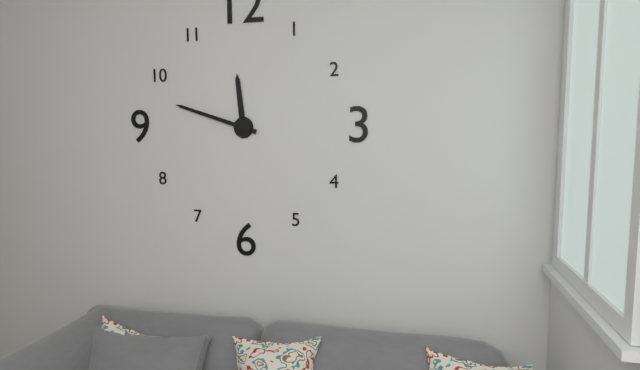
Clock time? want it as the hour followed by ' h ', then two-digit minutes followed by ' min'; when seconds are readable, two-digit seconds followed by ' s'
11 h 48 min
